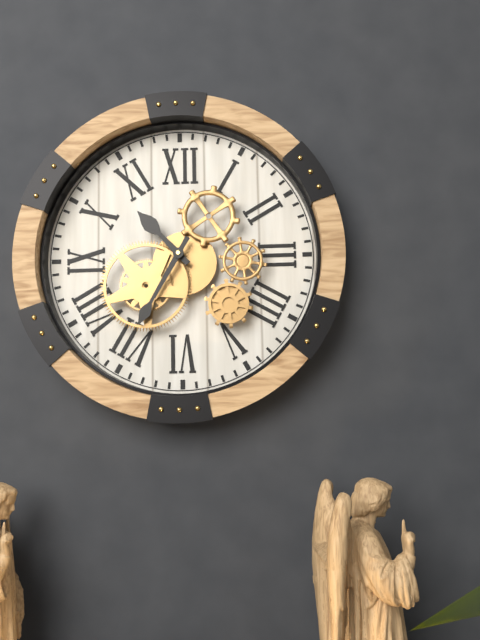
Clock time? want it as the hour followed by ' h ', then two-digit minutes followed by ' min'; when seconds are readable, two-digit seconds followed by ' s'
10 h 35 min
